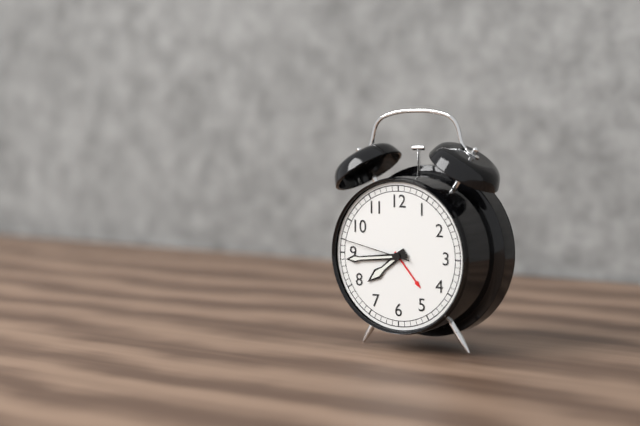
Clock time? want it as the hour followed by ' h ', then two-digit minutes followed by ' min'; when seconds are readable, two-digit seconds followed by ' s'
7 h 44 min 47 s
